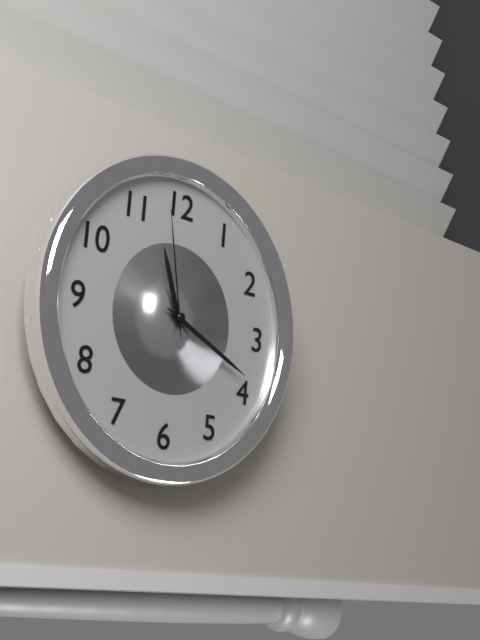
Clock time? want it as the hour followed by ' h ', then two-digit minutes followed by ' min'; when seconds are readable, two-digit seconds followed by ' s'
11 h 19 min 58 s
